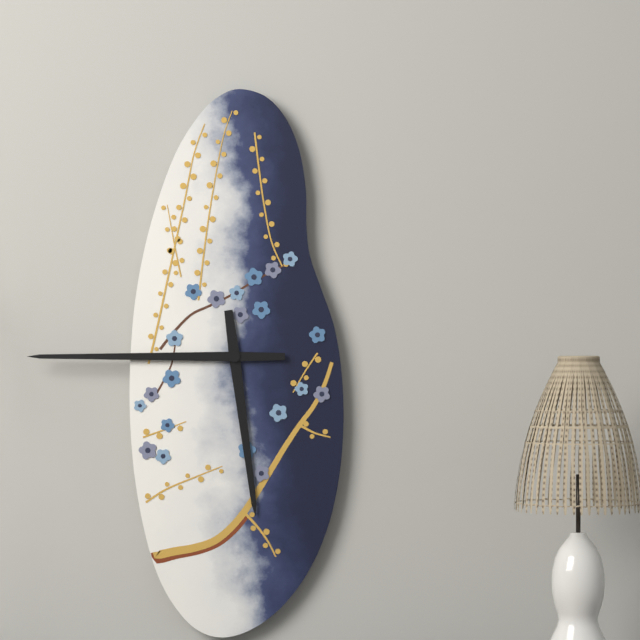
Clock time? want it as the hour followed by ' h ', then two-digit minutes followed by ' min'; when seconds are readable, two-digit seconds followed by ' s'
5 h 45 min
